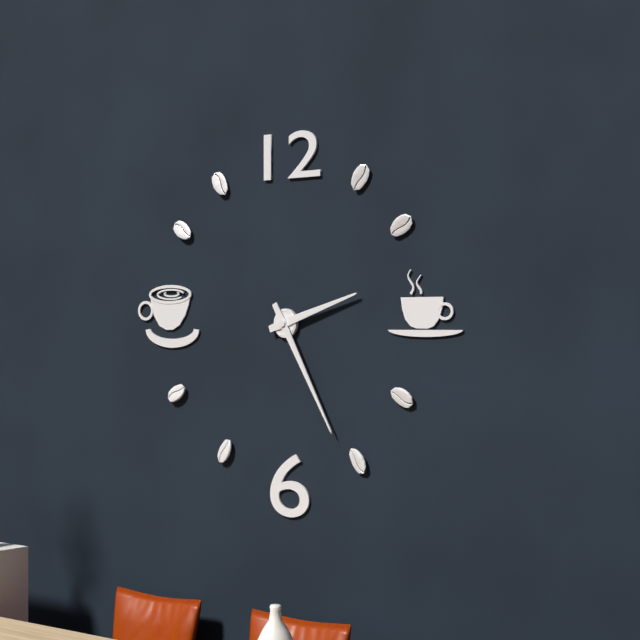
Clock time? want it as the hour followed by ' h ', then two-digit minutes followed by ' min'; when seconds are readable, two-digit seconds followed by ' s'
2 h 25 min
